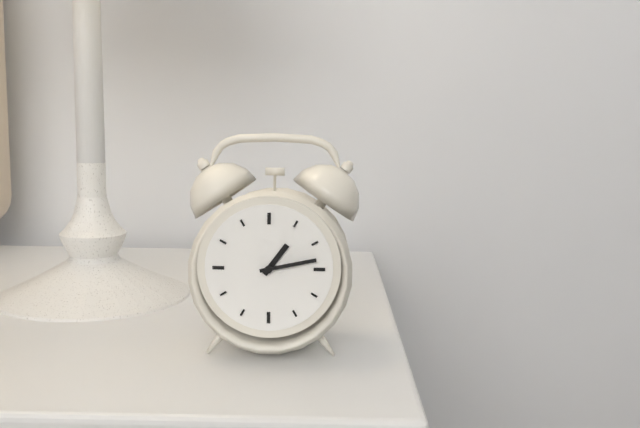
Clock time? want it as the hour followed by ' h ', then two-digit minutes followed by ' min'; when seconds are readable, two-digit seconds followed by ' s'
1 h 13 min
